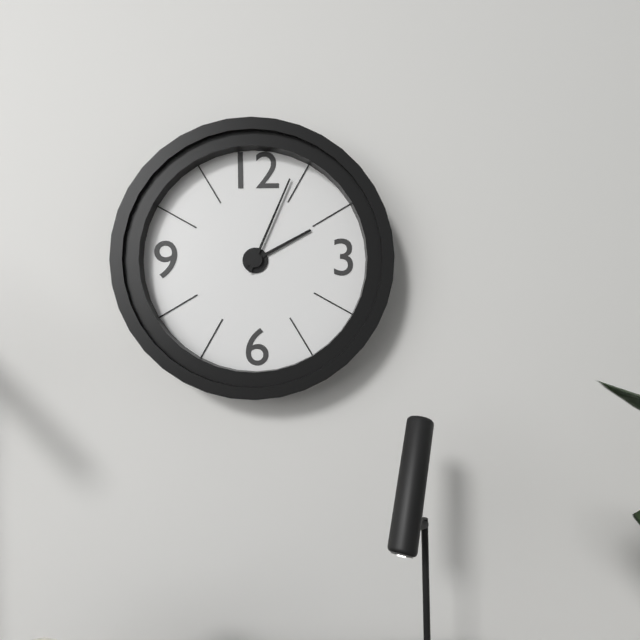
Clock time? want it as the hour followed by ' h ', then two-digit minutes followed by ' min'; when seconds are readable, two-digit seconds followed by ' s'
2 h 04 min
